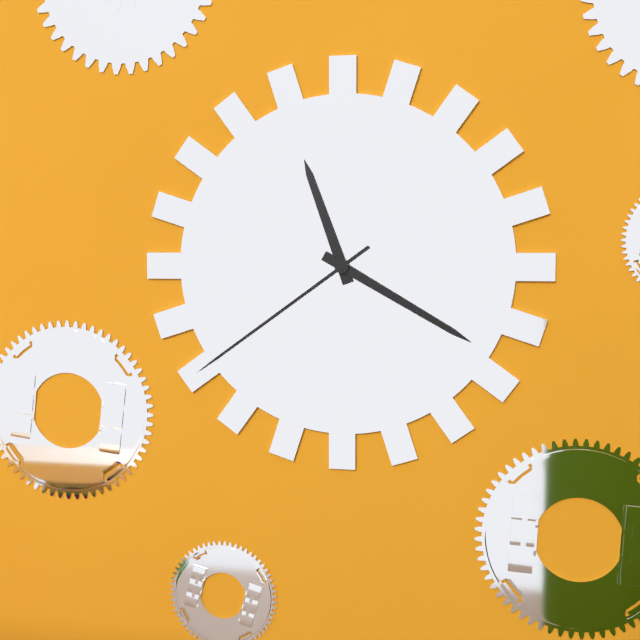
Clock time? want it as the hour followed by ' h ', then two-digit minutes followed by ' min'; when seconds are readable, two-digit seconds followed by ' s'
11 h 20 min 39 s
